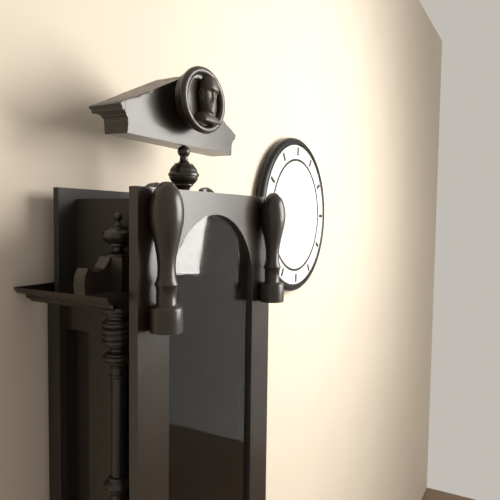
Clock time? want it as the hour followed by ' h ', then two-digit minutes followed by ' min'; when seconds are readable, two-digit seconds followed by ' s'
6 h 18 min
